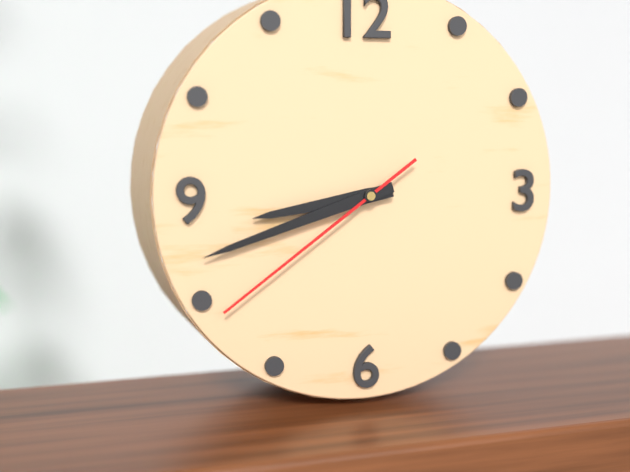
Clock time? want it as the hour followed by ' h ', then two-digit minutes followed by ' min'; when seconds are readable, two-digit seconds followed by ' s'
8 h 42 min 39 s
